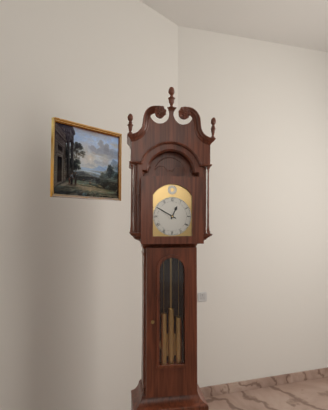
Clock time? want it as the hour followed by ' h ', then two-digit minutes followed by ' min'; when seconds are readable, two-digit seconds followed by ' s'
12 h 50 min
